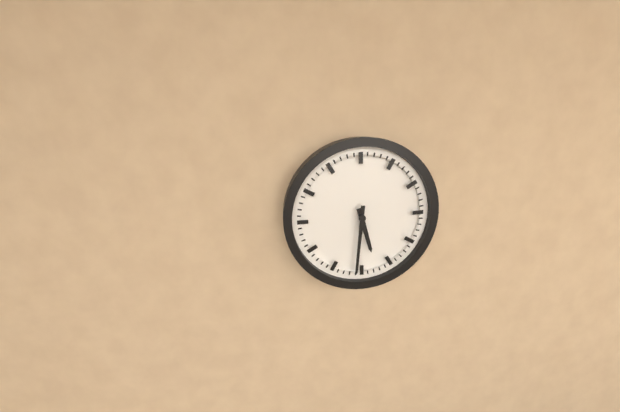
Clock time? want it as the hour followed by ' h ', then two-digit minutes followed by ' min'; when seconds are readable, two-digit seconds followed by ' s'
5 h 31 min
